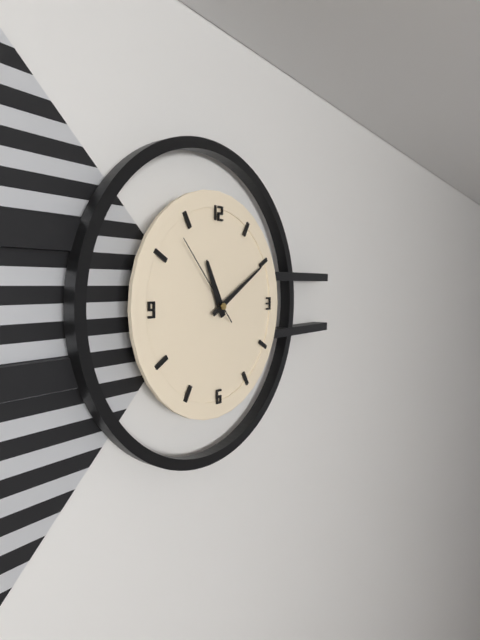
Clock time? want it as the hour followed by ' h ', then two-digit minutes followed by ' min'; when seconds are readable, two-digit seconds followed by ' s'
11 h 10 min 53 s
